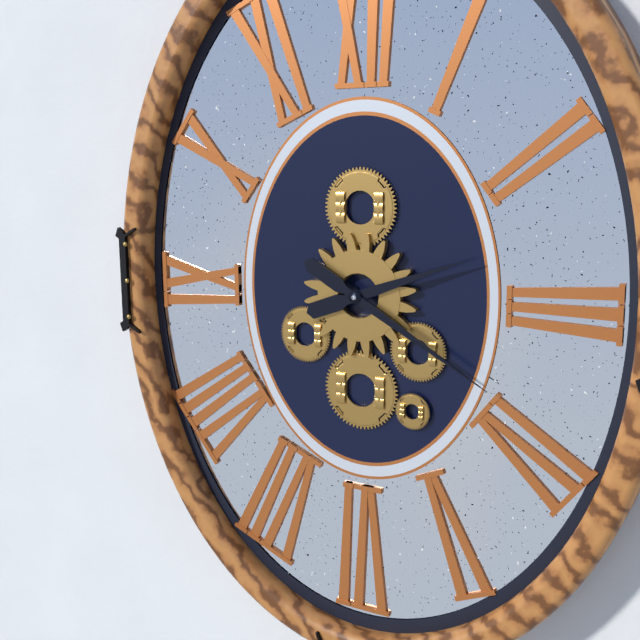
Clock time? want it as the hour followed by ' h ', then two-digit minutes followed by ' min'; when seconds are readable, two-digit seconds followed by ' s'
2 h 20 min
